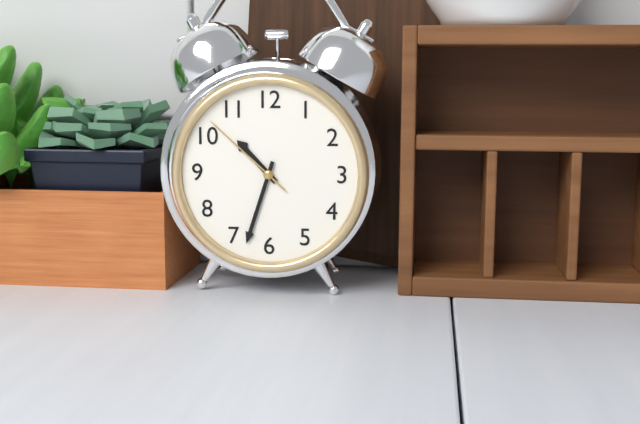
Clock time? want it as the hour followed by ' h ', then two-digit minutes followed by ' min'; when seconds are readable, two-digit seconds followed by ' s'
10 h 33 min 52 s
